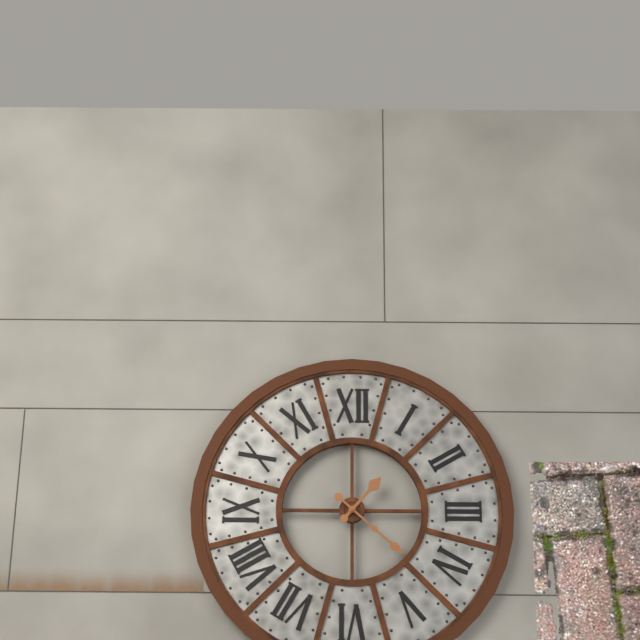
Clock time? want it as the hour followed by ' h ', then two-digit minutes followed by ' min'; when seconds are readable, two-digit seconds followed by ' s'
1 h 22 min
